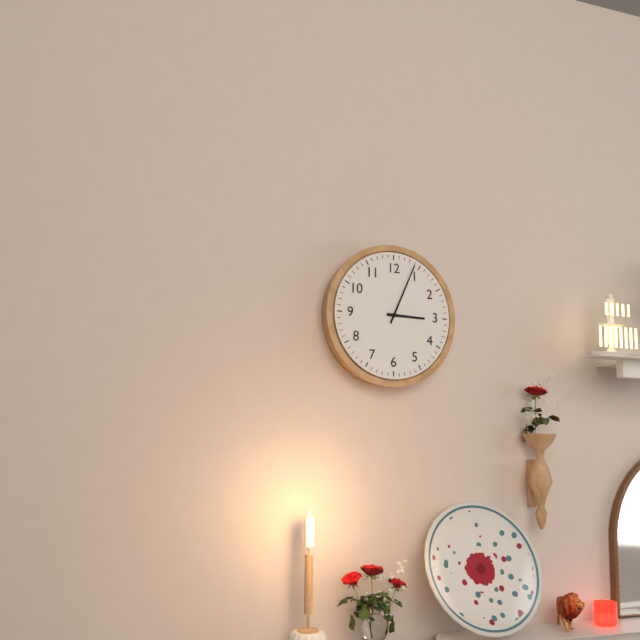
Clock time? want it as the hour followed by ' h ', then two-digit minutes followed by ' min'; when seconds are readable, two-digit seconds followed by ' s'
3 h 04 min
